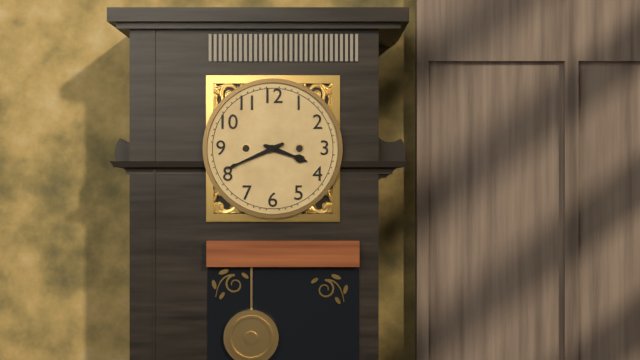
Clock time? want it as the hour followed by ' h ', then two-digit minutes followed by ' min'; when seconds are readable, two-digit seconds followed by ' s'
3 h 41 min
